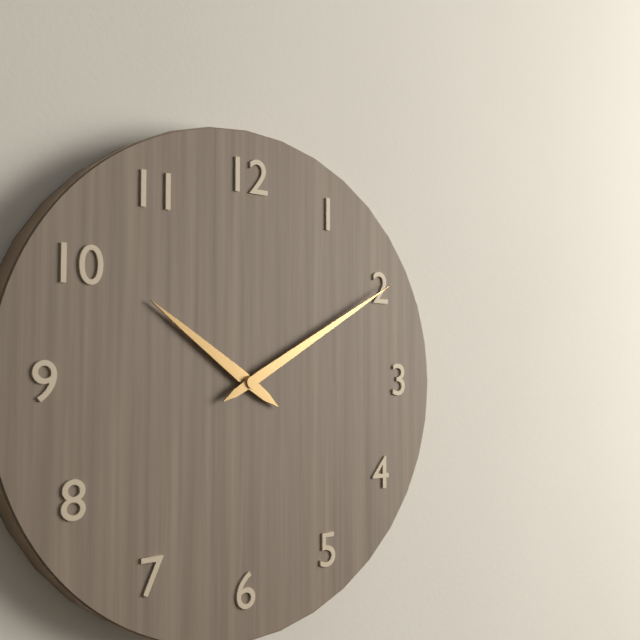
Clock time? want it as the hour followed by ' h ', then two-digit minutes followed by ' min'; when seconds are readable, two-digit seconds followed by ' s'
10 h 10 min
